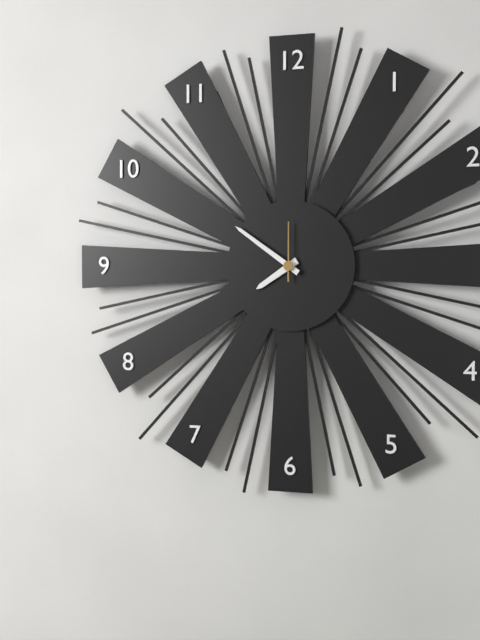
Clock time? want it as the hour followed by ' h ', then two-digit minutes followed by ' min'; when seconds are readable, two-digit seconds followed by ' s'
7 h 51 min 00 s
